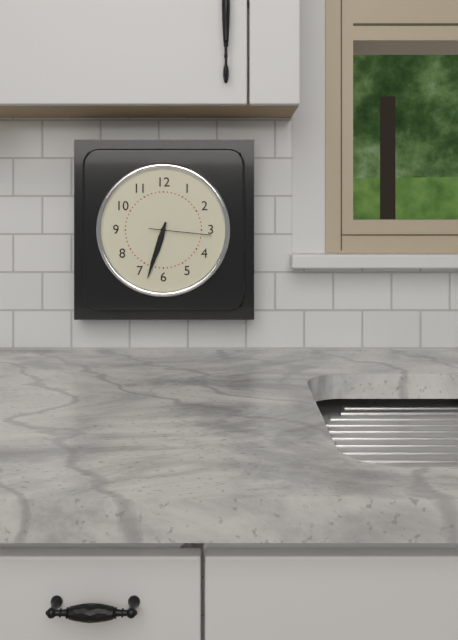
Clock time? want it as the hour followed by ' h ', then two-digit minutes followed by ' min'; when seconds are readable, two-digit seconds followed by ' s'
6 h 33 min 16 s
